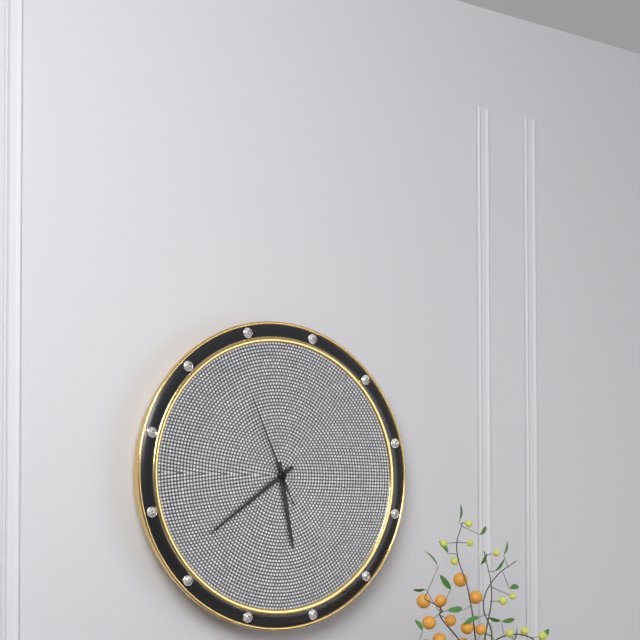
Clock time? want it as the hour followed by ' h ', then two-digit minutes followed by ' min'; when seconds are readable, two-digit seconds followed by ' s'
5 h 39 min 56 s
